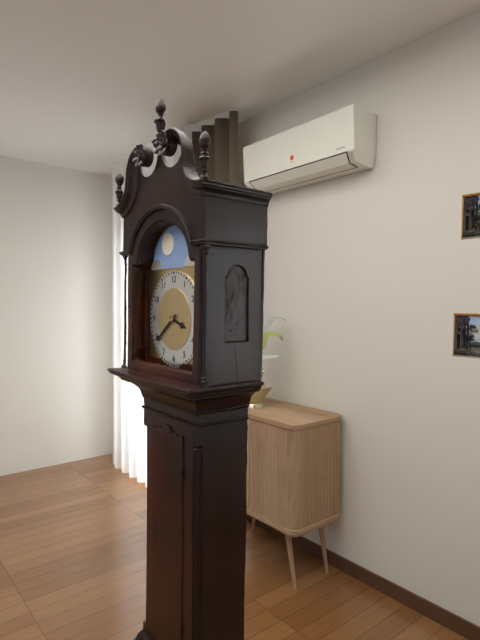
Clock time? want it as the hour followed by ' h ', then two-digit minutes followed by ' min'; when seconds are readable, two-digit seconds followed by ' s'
3 h 39 min
